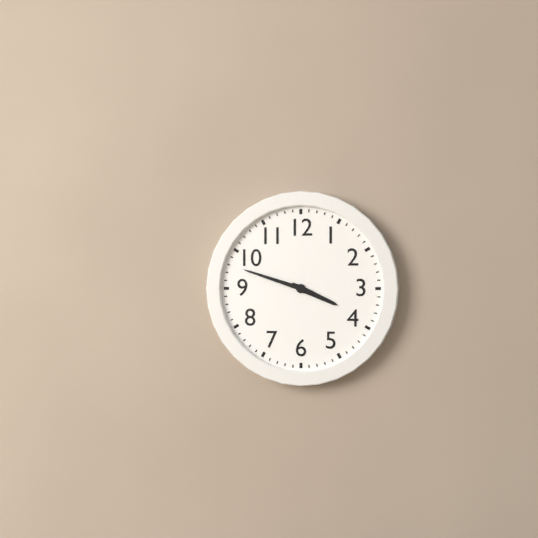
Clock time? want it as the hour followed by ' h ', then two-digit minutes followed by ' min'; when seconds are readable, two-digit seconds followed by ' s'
3 h 48 min
